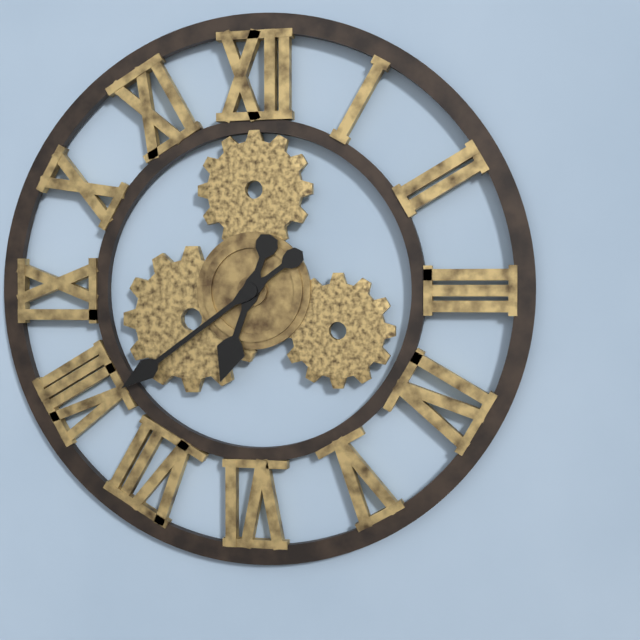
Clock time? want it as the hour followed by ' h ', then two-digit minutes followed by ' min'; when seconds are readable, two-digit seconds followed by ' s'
6 h 39 min
